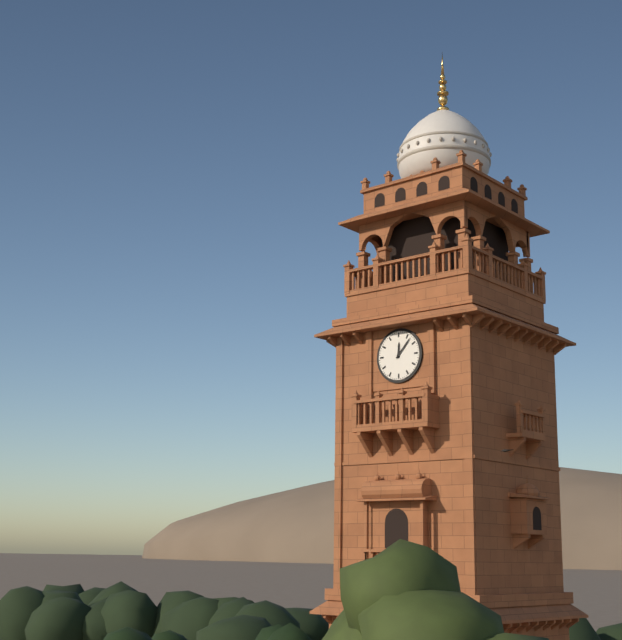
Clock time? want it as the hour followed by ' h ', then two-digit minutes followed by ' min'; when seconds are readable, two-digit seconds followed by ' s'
12 h 07 min
